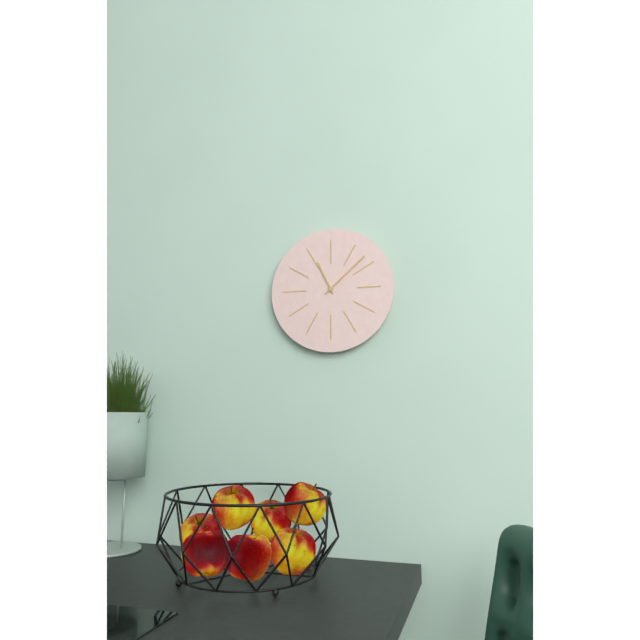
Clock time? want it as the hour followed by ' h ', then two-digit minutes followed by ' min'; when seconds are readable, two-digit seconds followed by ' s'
11 h 08 min
